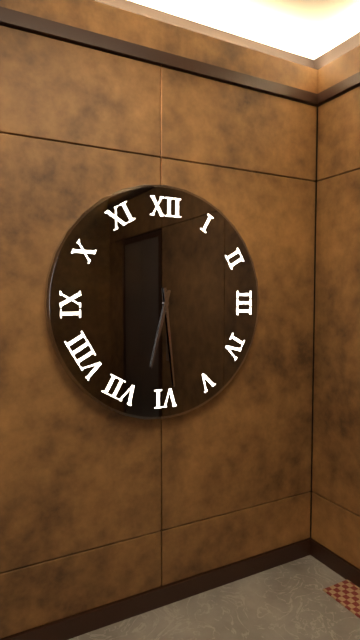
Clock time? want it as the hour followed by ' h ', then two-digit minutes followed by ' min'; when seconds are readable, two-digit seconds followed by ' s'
6 h 29 min
